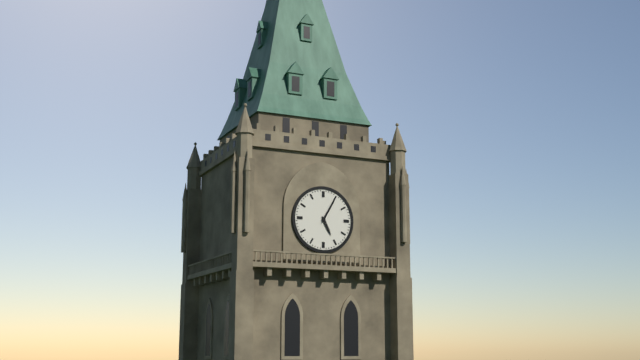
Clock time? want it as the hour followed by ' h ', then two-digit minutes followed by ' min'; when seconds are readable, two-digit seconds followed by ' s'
5 h 05 min
